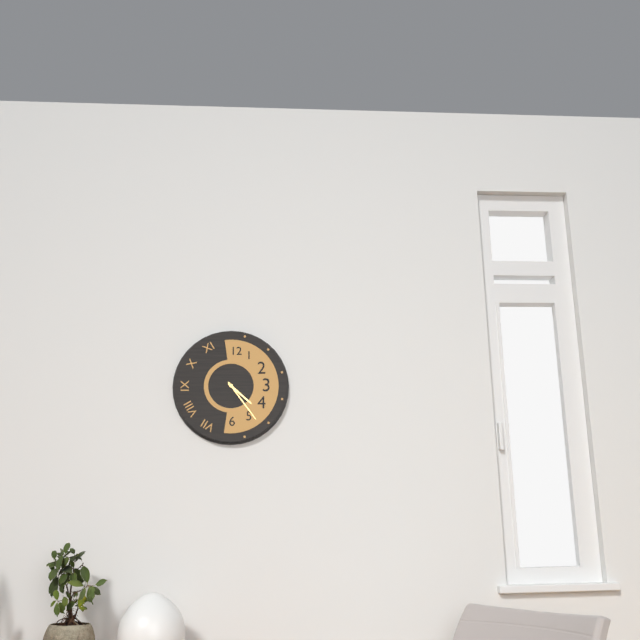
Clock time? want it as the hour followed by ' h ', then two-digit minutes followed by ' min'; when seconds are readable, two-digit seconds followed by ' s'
4 h 24 min
